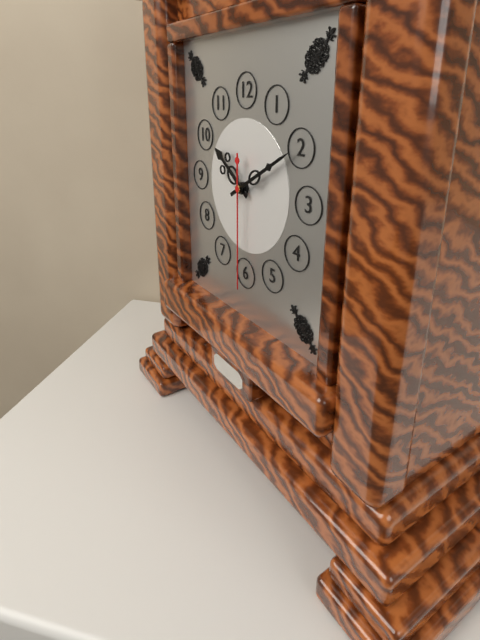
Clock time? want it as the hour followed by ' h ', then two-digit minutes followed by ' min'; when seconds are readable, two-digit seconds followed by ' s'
10 h 10 min 30 s
